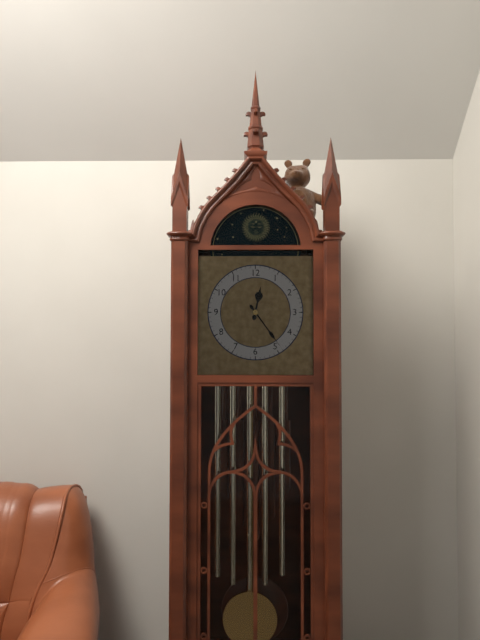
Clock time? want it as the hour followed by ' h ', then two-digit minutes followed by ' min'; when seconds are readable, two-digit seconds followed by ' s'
12 h 24 min
